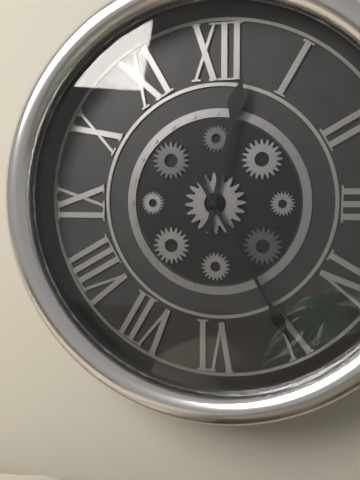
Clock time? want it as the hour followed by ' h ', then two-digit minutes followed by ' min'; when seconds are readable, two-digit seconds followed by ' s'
12 h 25 min
